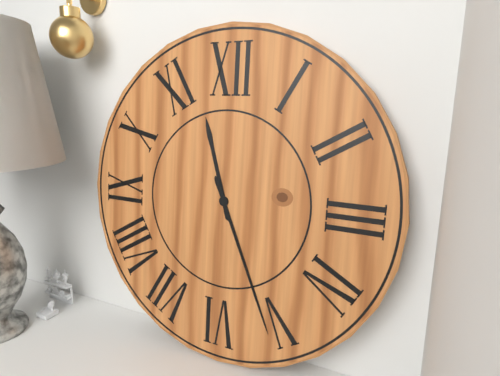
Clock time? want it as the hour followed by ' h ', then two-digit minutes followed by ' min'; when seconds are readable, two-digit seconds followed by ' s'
11 h 26 min
